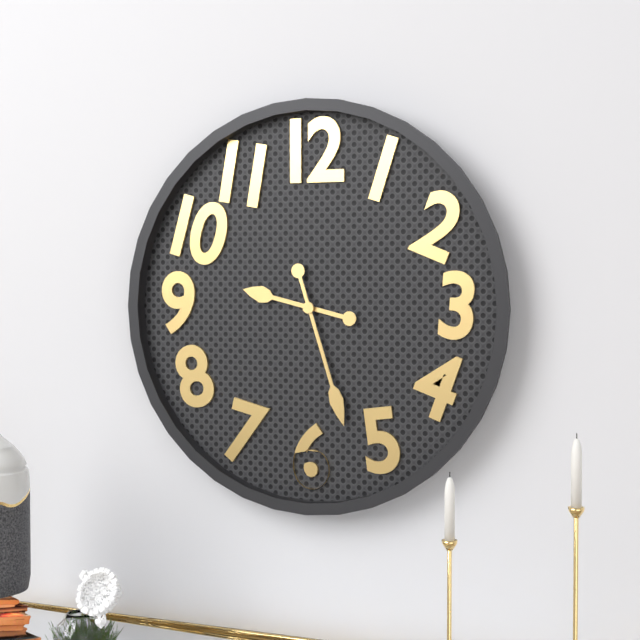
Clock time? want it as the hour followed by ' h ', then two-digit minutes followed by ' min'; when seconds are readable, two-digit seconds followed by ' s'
9 h 27 min
